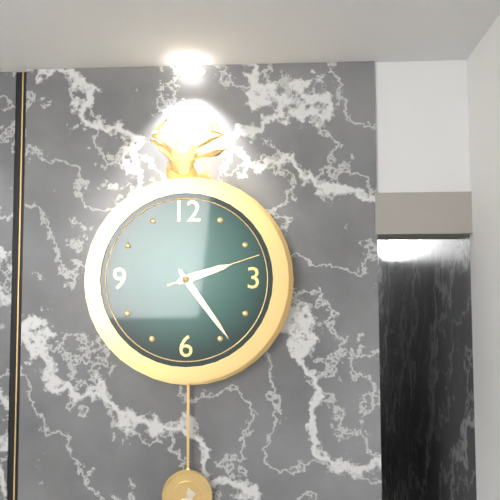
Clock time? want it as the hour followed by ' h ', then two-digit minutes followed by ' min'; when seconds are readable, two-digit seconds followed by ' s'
2 h 24 min 12 s
